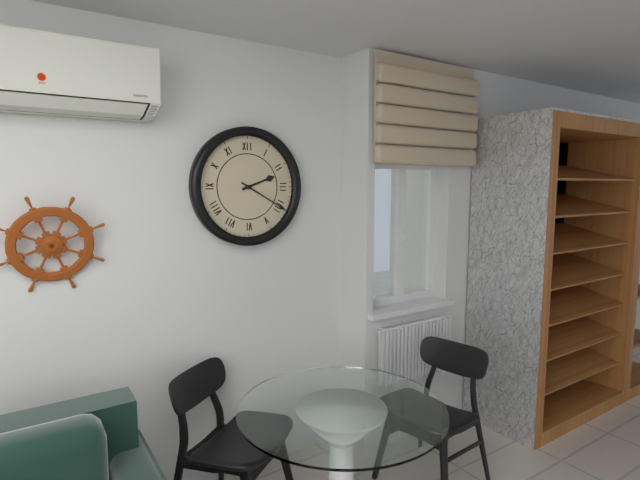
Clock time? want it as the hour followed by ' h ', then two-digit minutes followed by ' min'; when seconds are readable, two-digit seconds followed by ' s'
2 h 20 min
